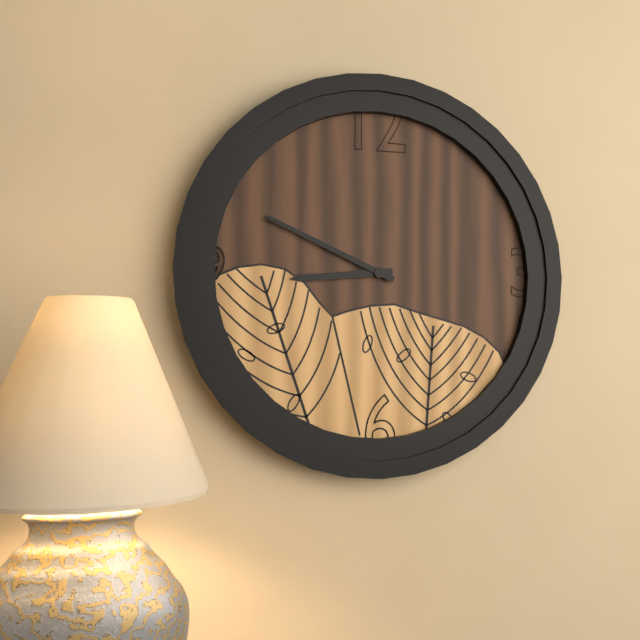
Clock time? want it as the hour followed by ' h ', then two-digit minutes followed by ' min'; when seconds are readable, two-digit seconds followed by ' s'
8 h 49 min
